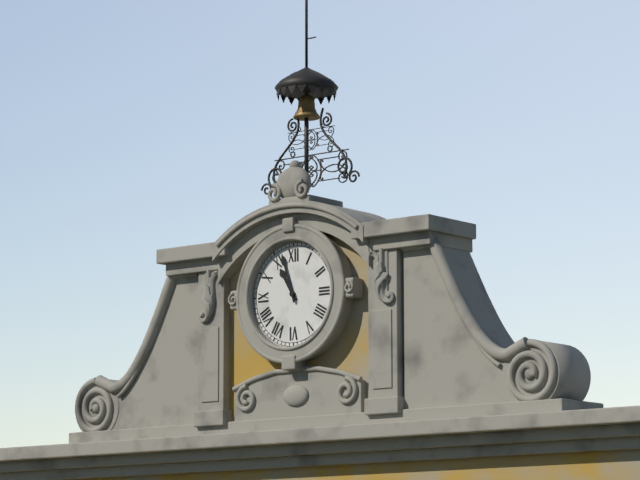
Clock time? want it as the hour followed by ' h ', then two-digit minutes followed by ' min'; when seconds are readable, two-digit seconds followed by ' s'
10 h 57 min
